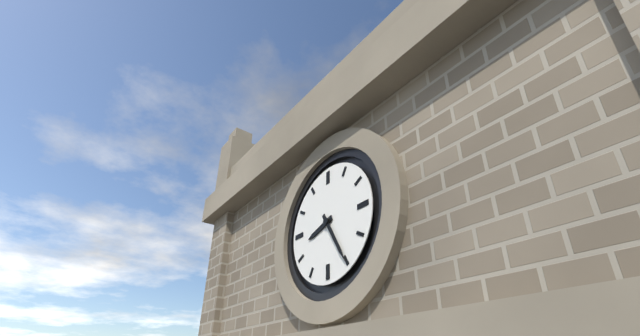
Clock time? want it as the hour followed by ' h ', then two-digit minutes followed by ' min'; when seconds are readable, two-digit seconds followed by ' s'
8 h 25 min
